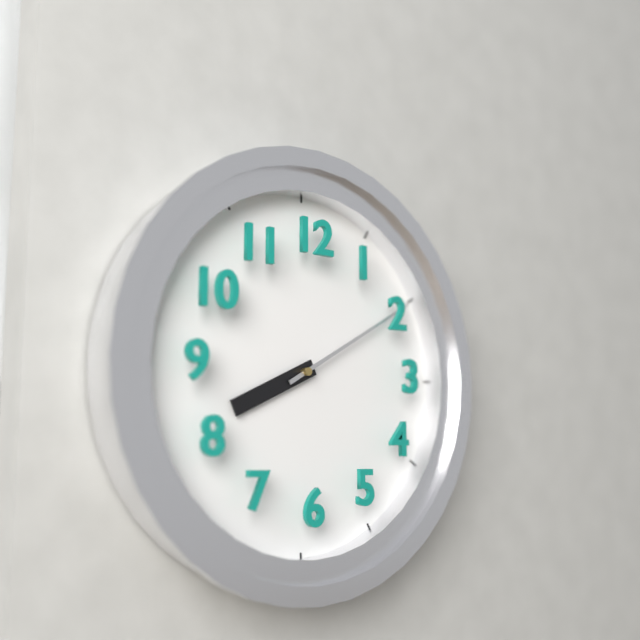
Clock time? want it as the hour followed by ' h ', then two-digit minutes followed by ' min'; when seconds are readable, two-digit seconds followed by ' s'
8 h 10 min
